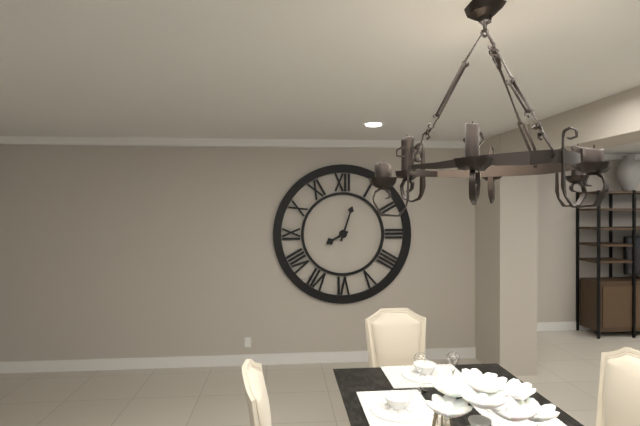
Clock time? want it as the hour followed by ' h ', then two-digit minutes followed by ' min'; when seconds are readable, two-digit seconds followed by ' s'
8 h 03 min
